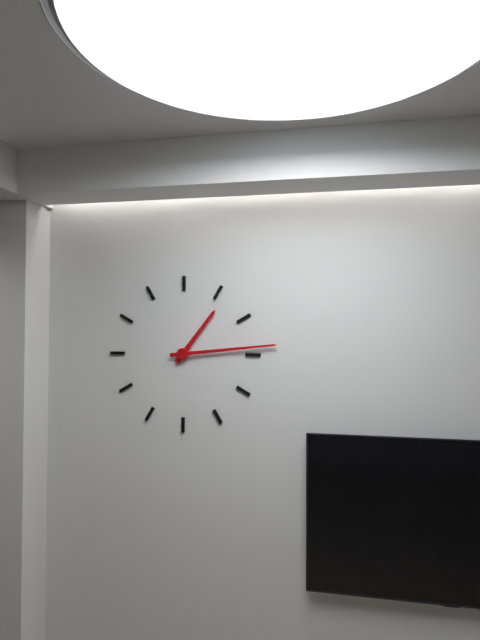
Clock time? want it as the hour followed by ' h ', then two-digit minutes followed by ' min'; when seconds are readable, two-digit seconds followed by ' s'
1 h 14 min
